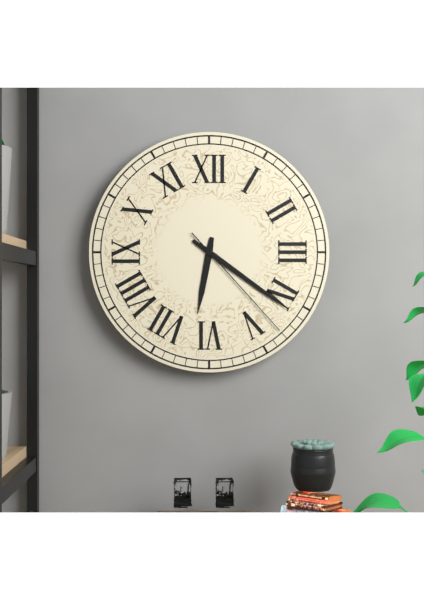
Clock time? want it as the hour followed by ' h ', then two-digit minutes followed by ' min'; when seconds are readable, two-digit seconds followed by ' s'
6 h 21 min 23 s
